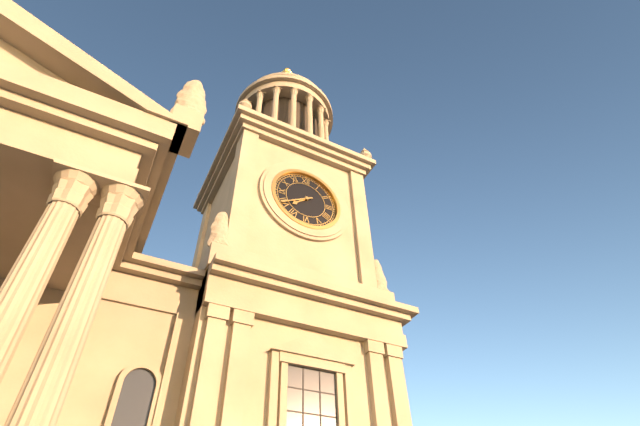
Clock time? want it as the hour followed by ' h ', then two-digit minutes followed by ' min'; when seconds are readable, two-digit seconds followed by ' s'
7 h 40 min
